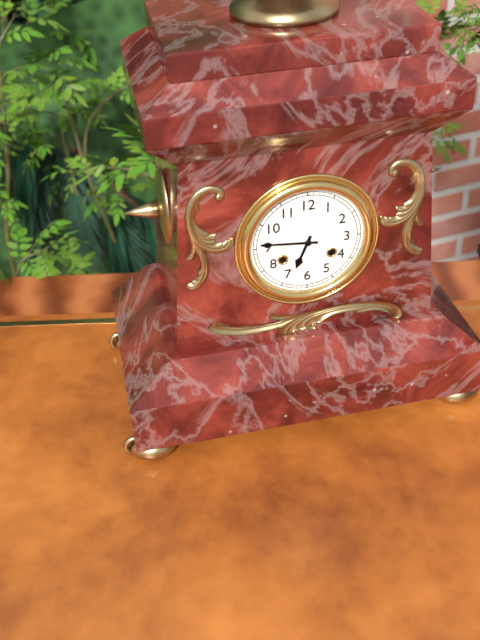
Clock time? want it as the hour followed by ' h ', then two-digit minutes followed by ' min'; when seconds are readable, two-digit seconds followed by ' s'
6 h 46 min
